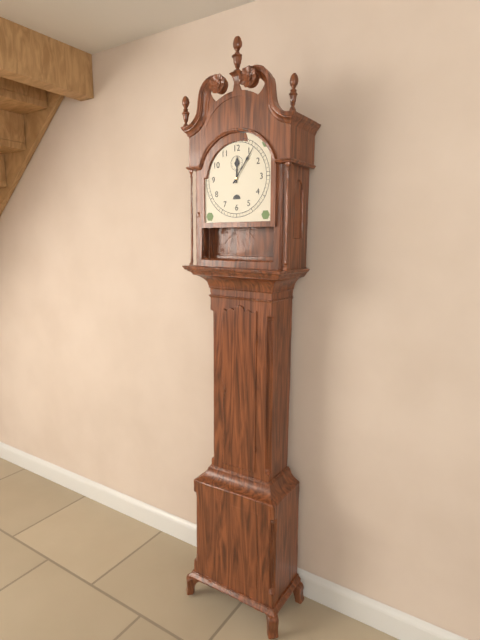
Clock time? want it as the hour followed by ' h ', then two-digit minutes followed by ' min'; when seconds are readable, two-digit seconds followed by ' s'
12 h 06 min
